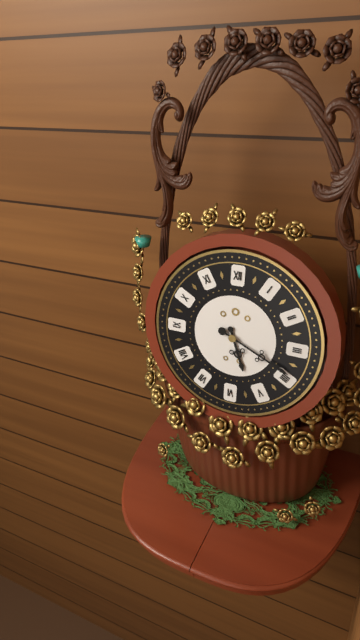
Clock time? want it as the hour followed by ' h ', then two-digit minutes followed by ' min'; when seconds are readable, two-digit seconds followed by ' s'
5 h 19 min
